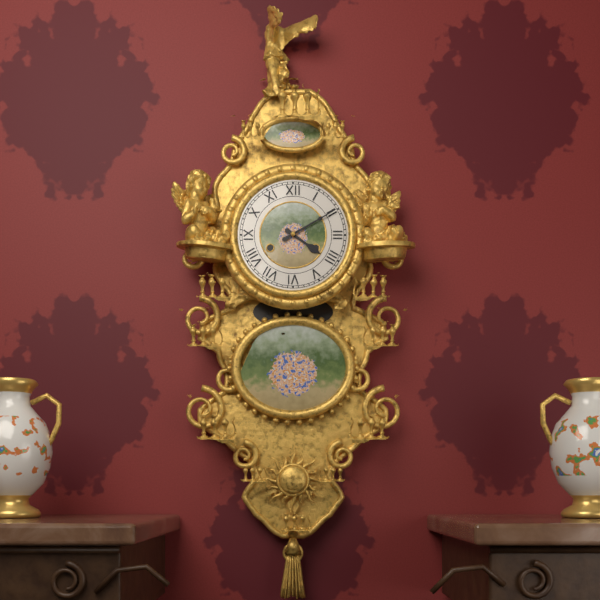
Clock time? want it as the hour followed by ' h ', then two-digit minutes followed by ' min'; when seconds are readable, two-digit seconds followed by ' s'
4 h 10 min
